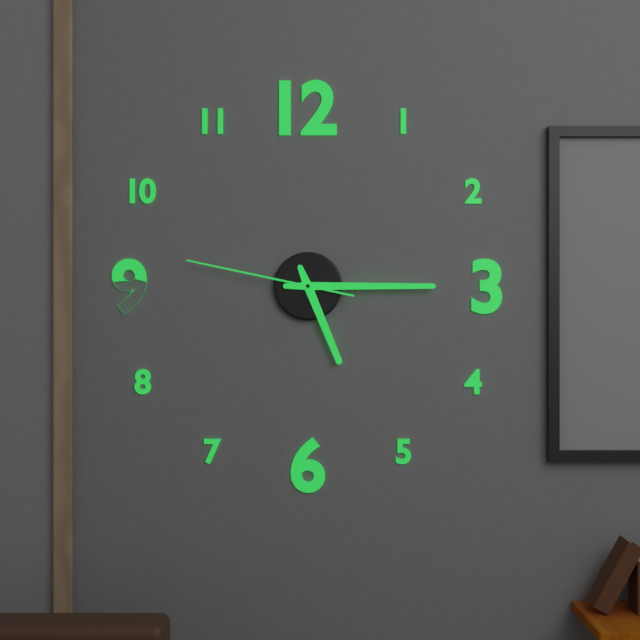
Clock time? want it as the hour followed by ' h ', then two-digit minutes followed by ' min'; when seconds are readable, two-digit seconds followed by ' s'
5 h 15 min 47 s
